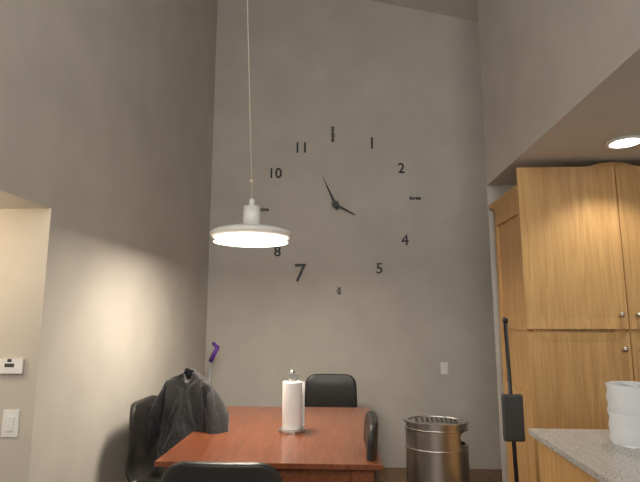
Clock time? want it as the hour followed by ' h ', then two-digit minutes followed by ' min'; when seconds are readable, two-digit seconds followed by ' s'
3 h 56 min
